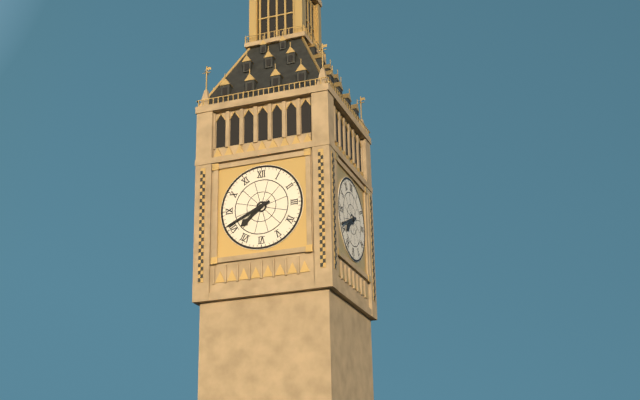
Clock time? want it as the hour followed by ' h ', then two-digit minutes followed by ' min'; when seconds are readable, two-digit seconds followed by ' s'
7 h 41 min
